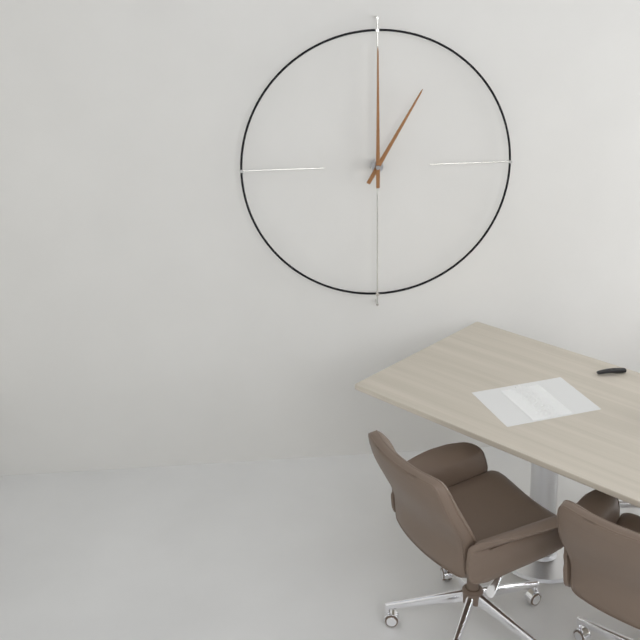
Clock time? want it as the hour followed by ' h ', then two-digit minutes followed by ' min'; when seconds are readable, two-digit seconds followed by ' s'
1 h 00 min
